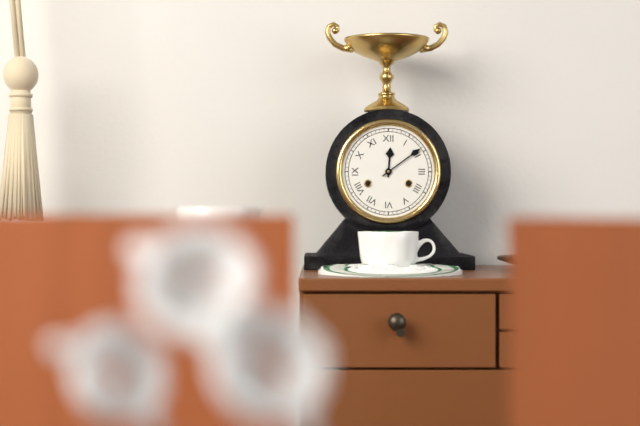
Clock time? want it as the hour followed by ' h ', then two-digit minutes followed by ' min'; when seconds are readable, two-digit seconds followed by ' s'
12 h 09 min
